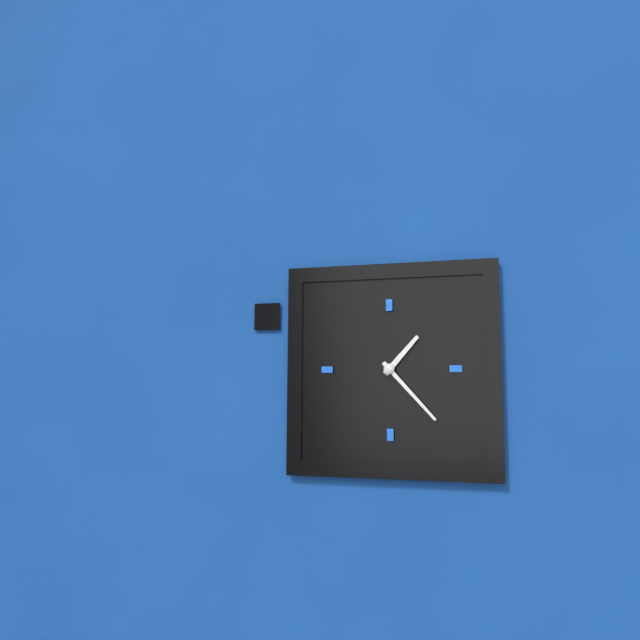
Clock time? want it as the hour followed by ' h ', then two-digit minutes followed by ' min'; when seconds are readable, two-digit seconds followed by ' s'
1 h 23 min
